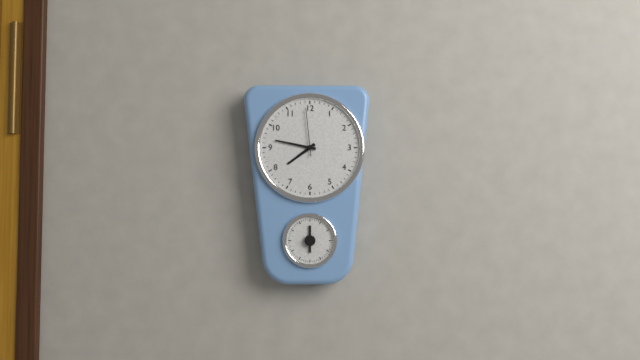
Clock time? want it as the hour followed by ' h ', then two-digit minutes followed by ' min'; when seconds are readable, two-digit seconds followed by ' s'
7 h 47 min 59 s
